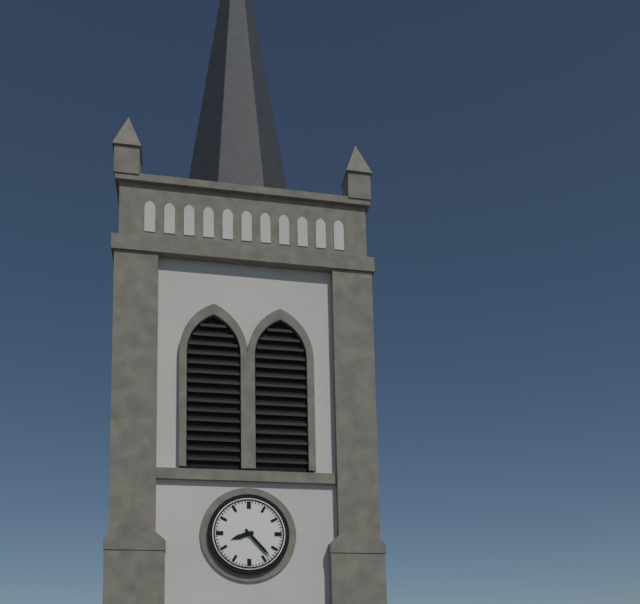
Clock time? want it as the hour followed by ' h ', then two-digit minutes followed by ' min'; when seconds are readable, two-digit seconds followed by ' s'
8 h 23 min
